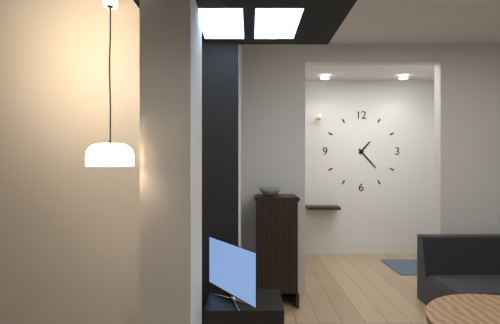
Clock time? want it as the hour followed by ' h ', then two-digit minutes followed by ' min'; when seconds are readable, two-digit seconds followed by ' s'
1 h 23 min
